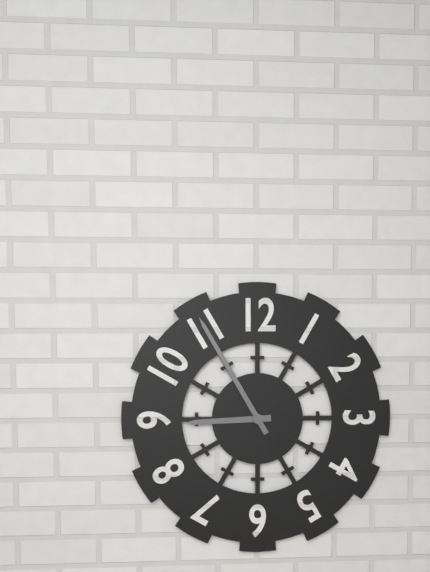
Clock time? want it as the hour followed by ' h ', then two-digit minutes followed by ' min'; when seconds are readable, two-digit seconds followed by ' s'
8 h 55 min
